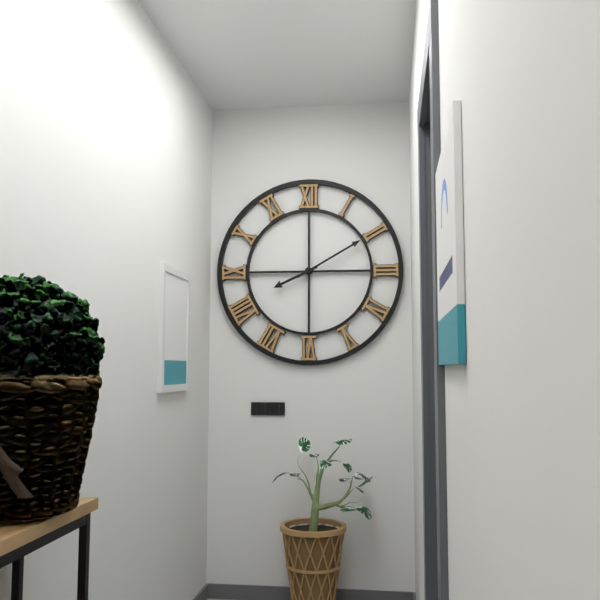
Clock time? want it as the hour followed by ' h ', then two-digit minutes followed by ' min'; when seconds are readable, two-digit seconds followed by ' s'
8 h 10 min
